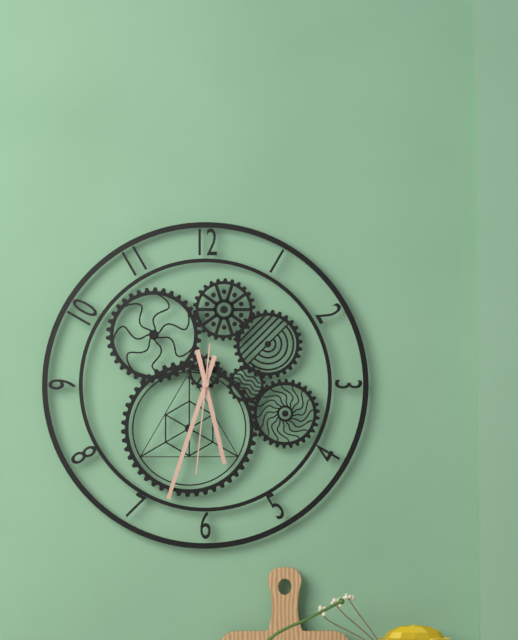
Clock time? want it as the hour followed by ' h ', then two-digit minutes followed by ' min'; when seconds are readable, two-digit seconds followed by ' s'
5 h 33 min 31 s
